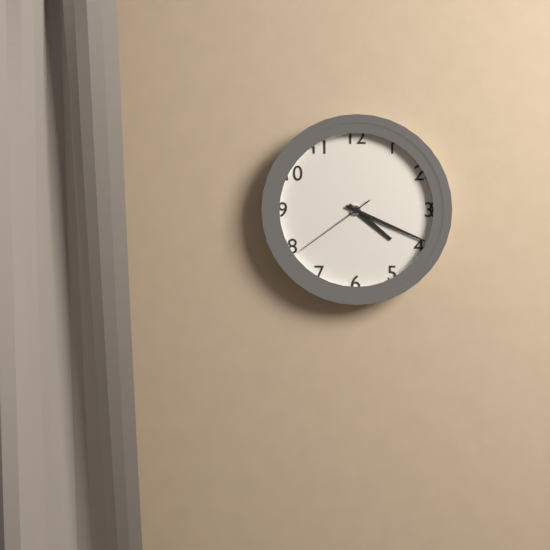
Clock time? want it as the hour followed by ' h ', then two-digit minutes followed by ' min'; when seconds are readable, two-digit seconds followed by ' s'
4 h 19 min 39 s
